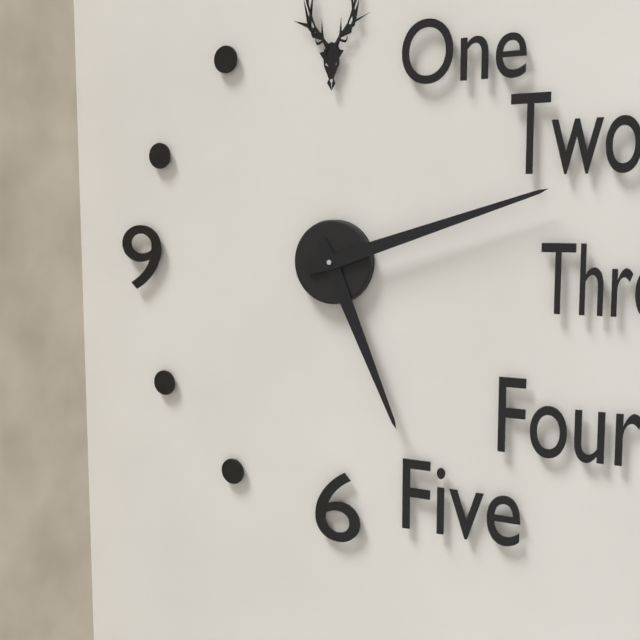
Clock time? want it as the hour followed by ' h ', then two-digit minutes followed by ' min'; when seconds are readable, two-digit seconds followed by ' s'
5 h 12 min
